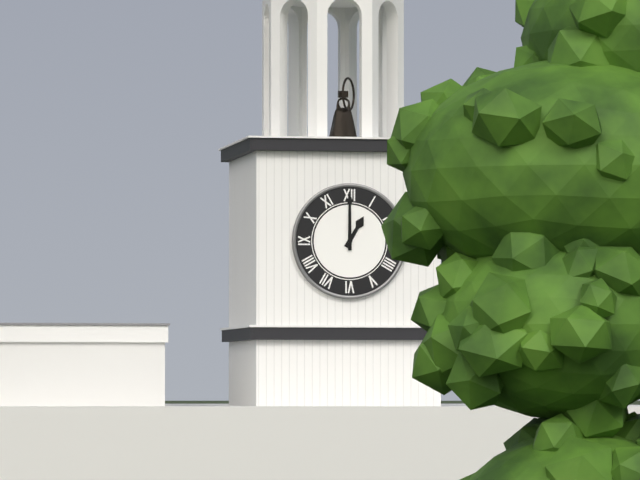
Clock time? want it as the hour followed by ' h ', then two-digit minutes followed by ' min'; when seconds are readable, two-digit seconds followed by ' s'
1 h 00 min
